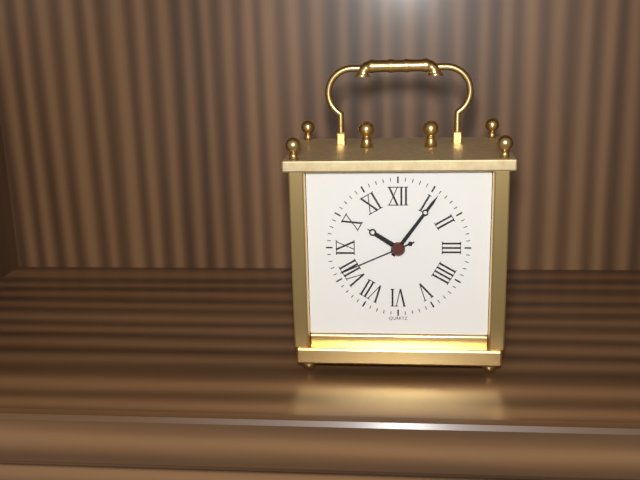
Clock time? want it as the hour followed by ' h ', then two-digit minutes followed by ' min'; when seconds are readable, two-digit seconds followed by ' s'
10 h 06 min 41 s
